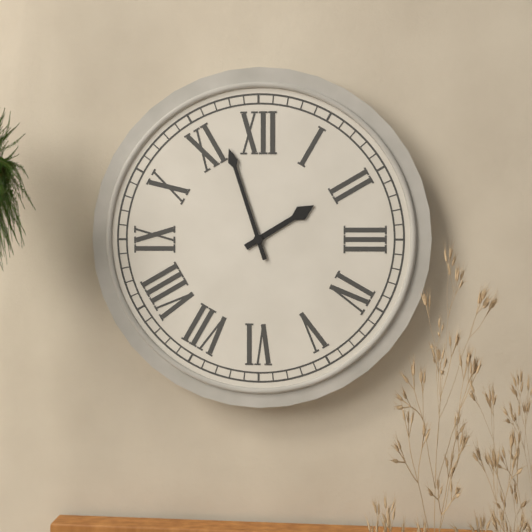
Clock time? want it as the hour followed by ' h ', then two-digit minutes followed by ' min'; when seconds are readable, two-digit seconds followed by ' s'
1 h 57 min
